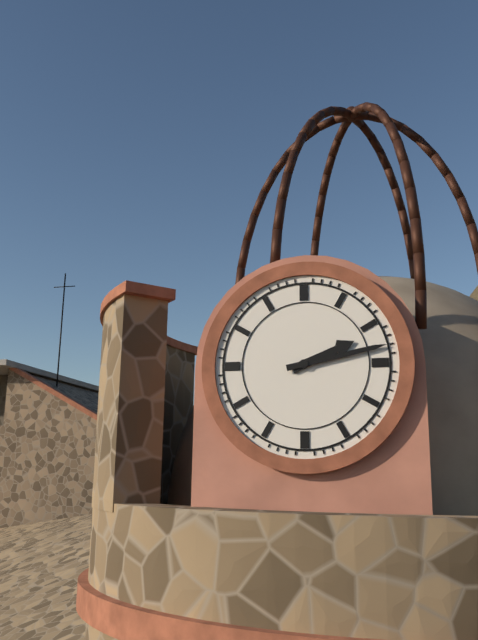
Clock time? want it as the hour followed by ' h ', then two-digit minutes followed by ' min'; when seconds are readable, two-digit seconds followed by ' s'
2 h 13 min
